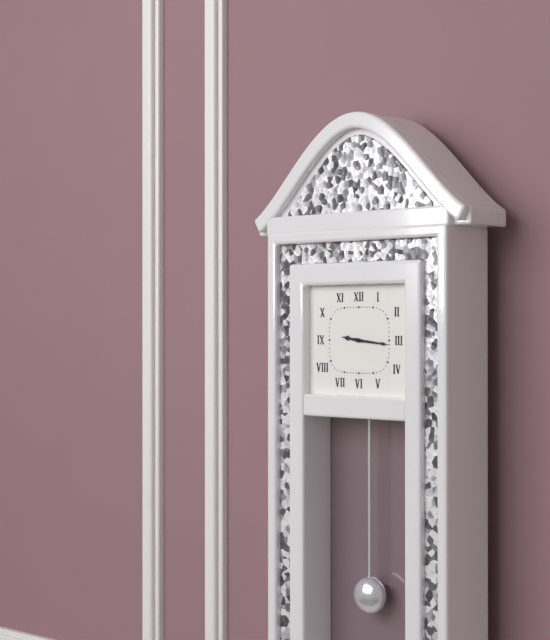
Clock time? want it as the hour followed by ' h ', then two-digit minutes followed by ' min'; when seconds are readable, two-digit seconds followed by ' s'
9 h 16 min
